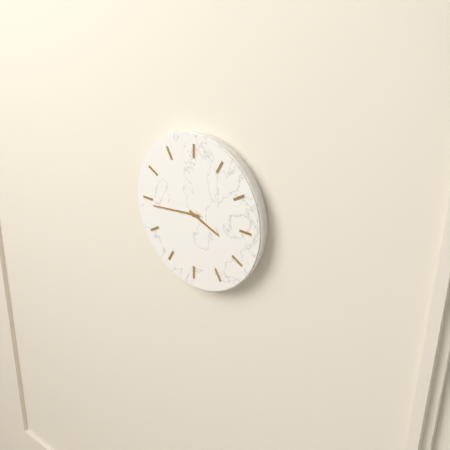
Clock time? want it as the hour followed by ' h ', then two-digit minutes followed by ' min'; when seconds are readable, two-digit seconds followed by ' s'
3 h 44 min
